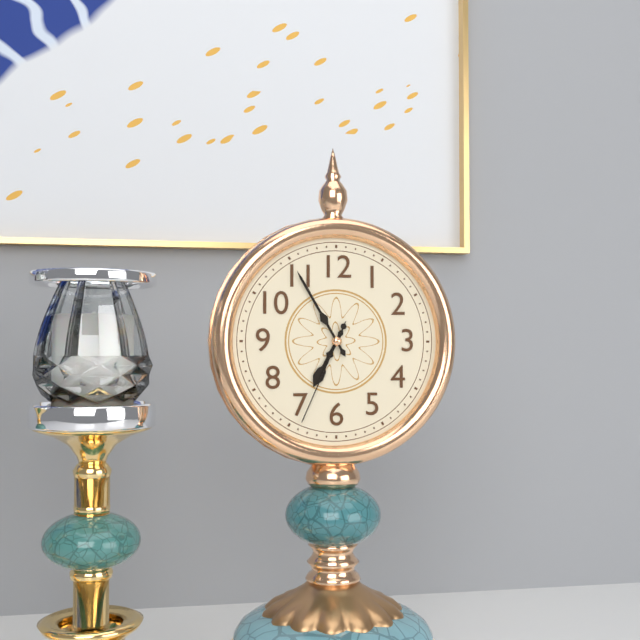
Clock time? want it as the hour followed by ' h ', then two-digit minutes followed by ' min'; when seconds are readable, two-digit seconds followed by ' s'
6 h 55 min 34 s
